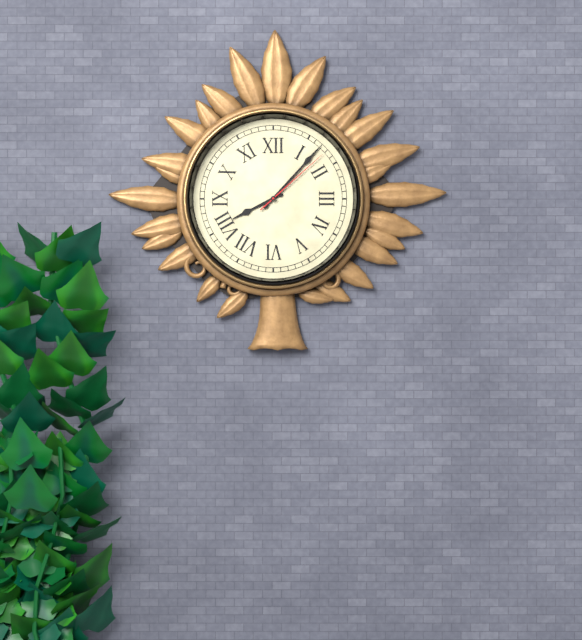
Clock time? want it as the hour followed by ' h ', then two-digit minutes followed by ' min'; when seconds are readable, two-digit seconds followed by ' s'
8 h 07 min 08 s
